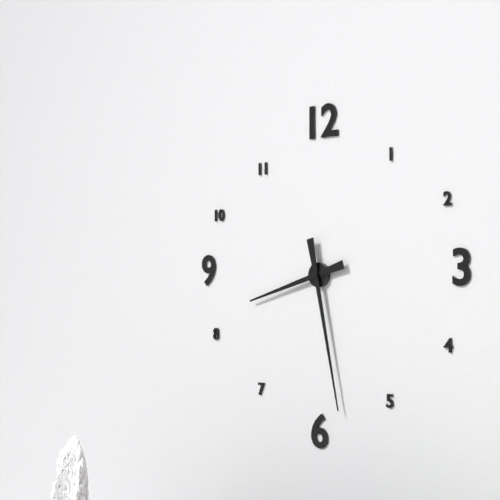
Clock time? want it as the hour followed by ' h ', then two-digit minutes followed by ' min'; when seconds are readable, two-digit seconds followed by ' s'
8 h 28 min
